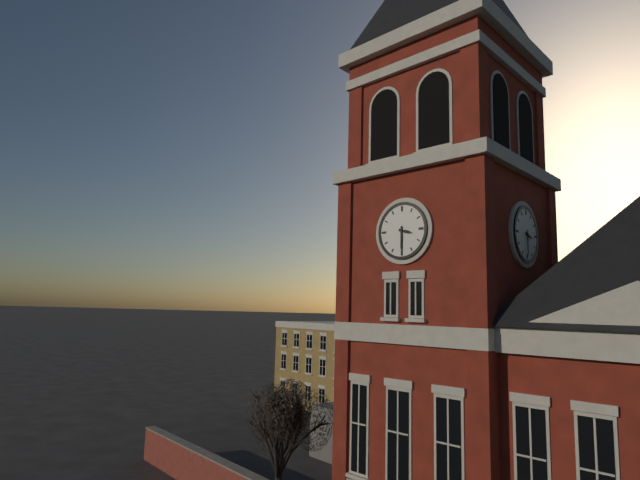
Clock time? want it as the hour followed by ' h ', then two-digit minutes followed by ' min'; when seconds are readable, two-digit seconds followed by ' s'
3 h 30 min
